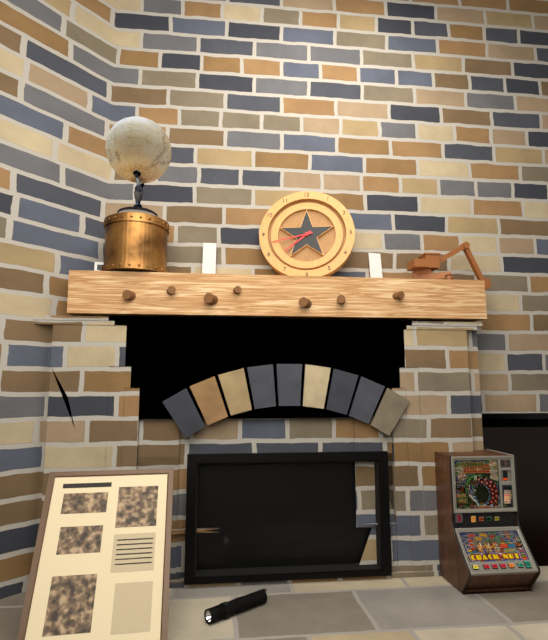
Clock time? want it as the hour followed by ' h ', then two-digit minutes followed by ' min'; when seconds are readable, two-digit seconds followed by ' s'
7 h 43 min
